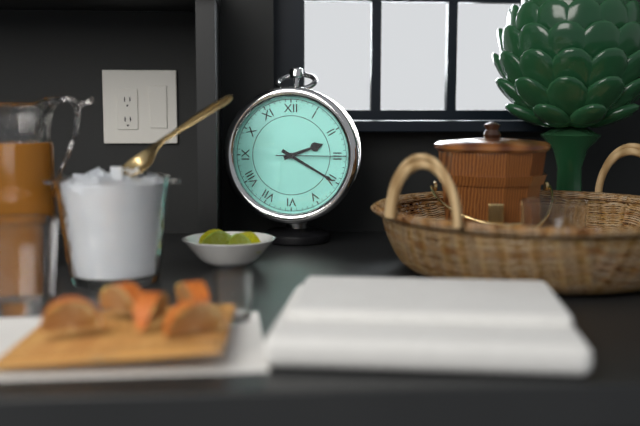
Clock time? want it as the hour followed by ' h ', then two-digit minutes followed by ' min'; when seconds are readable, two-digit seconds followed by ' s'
2 h 20 min 15 s
